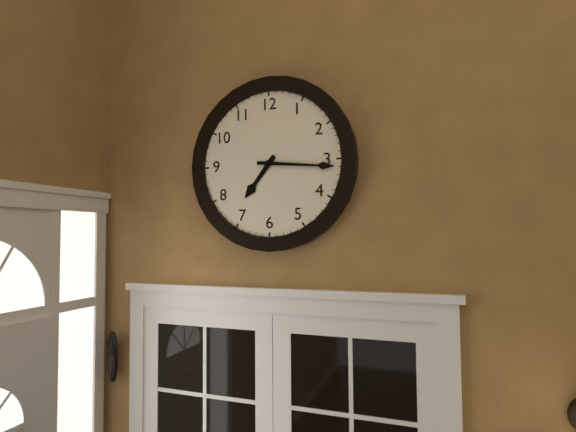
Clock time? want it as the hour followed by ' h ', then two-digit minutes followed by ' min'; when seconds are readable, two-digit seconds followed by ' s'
7 h 16 min
